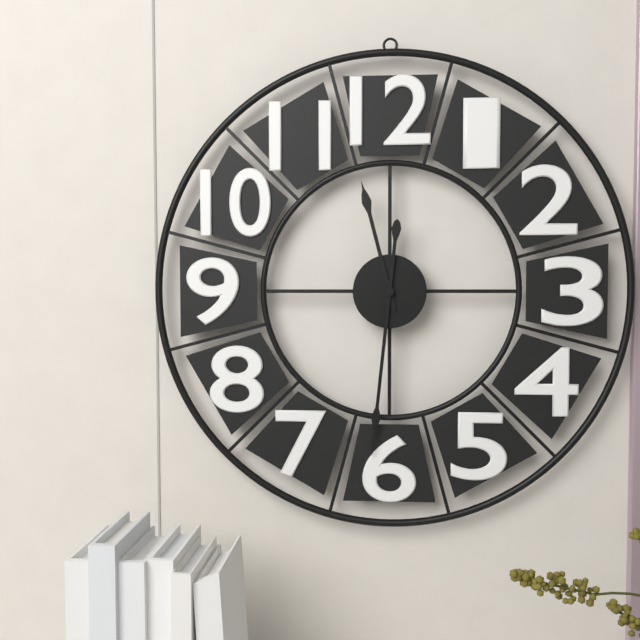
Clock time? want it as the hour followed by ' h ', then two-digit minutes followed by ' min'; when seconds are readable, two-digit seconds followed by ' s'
11 h 31 min
